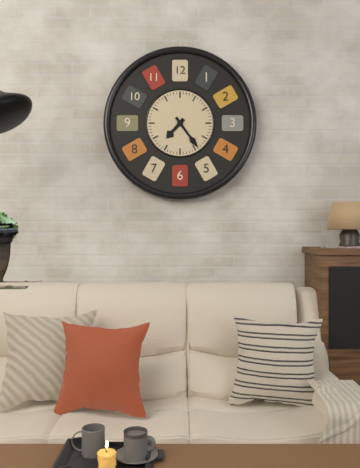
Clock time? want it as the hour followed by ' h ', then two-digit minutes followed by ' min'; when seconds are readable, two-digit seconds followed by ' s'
7 h 24 min
